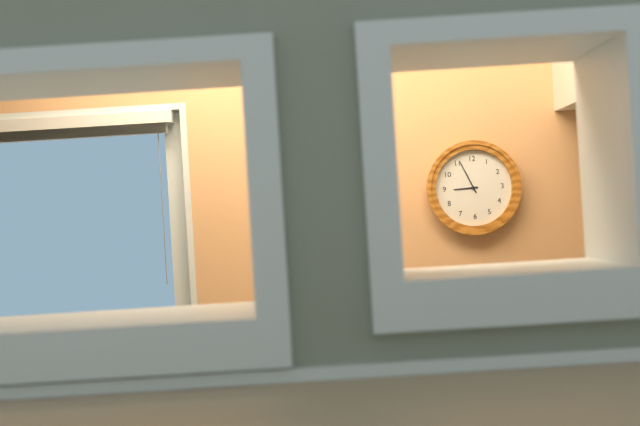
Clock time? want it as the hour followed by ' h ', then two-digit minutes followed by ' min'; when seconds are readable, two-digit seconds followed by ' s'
8 h 56 min
